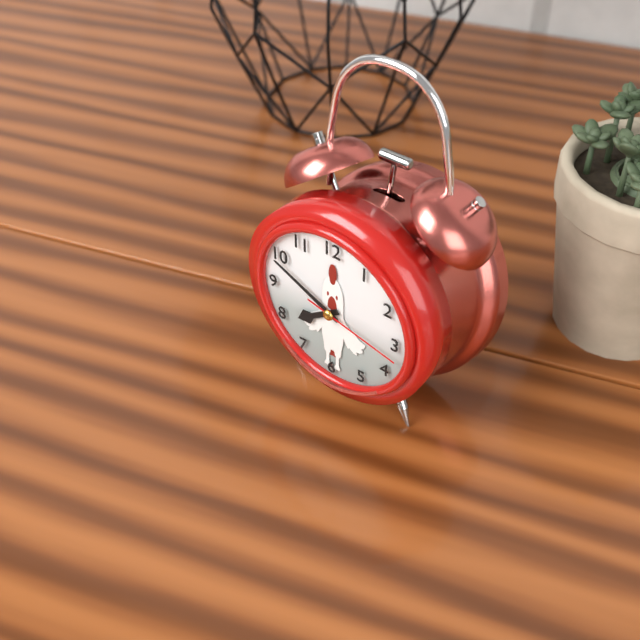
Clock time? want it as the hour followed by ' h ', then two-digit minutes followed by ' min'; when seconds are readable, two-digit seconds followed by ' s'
7 h 49 min 17 s
